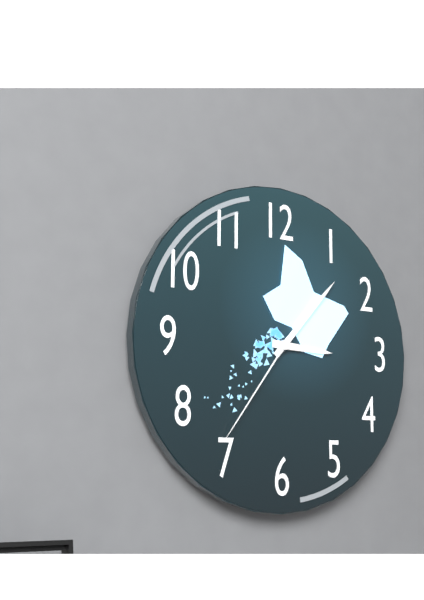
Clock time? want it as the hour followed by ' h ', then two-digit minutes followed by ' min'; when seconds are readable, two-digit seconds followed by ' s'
3 h 07 min 36 s
